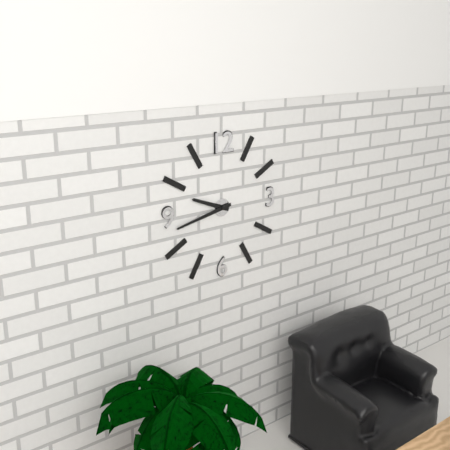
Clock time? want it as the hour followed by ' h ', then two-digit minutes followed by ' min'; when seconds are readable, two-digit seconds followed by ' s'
9 h 43 min
